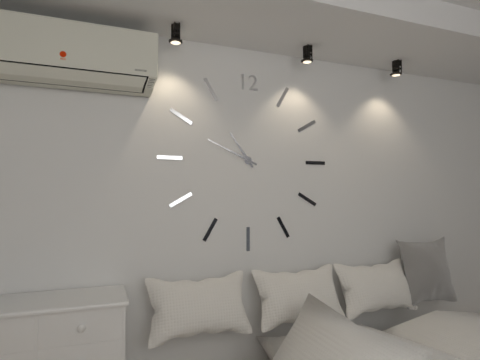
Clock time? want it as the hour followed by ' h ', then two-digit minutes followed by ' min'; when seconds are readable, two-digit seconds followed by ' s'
10 h 49 min
